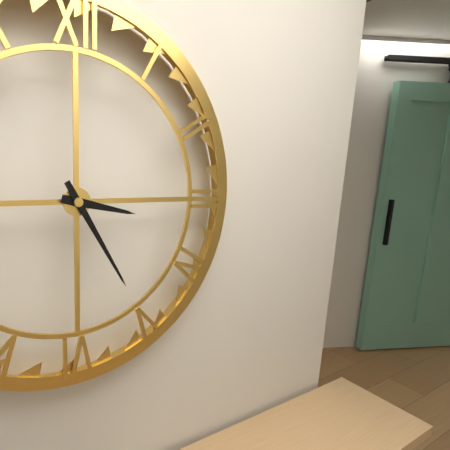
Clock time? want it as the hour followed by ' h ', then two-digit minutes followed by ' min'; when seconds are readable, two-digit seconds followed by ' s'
3 h 25 min
